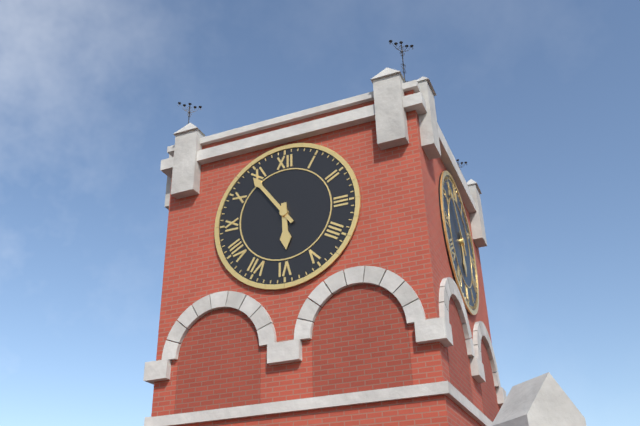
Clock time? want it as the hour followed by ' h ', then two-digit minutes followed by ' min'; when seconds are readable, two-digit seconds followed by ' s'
5 h 54 min
